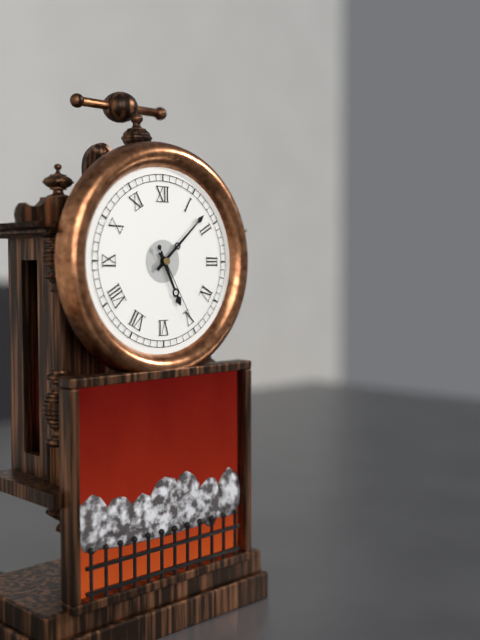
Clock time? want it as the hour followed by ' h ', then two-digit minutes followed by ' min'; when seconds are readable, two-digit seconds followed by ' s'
5 h 08 min 25 s
